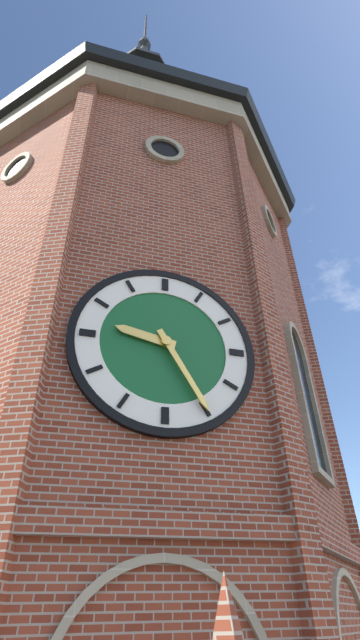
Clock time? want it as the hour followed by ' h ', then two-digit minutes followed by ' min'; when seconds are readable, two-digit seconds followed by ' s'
9 h 25 min
